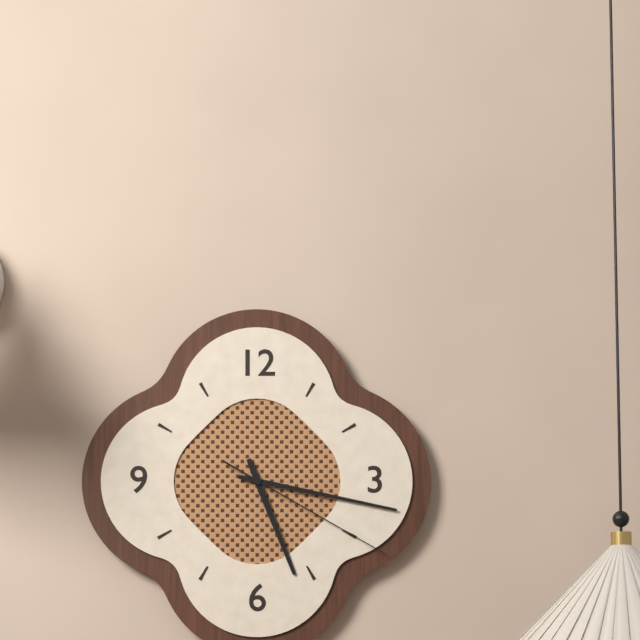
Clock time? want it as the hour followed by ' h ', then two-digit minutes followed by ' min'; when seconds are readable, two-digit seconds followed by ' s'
5 h 17 min 20 s
